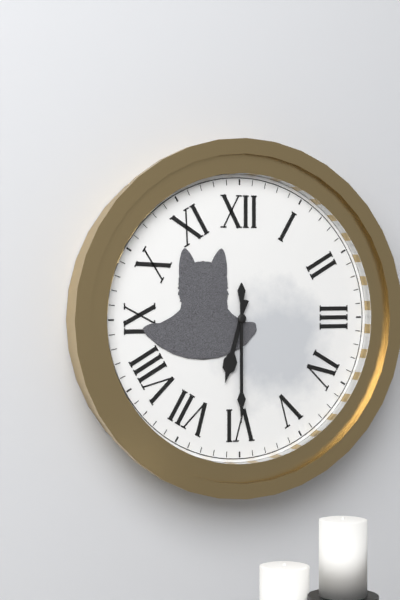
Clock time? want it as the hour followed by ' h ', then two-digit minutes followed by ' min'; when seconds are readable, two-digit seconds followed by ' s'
6 h 30 min
